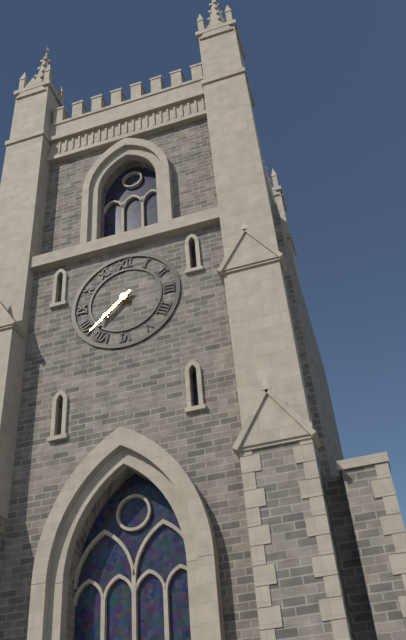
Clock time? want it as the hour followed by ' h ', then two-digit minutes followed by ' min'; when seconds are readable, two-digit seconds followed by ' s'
7 h 38 min
